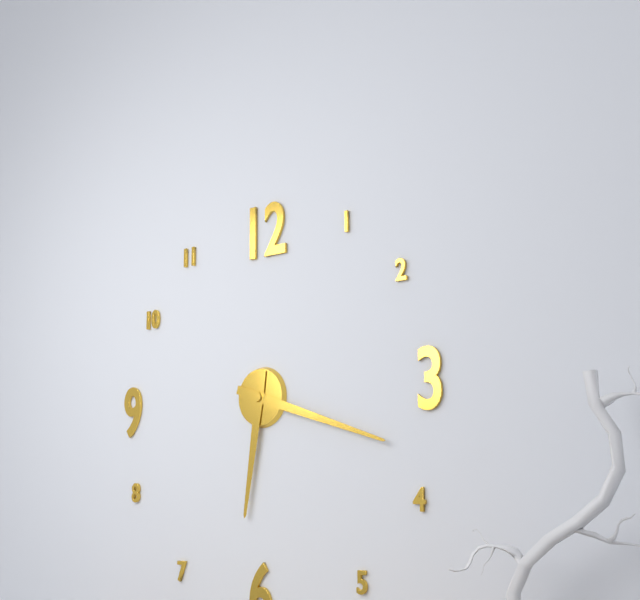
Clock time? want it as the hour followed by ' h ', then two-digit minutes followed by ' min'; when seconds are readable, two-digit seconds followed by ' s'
6 h 18 min
